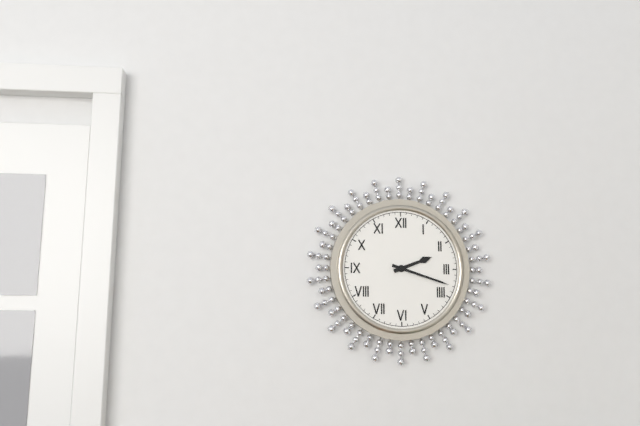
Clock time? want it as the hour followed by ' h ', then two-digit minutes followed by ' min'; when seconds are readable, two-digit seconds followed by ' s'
2 h 18 min
